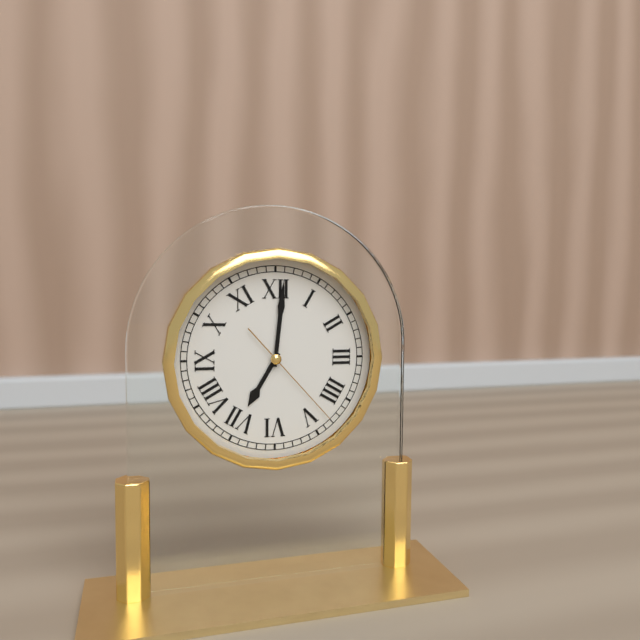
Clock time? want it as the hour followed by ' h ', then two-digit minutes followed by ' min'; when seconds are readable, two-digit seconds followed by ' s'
7 h 01 min 23 s
